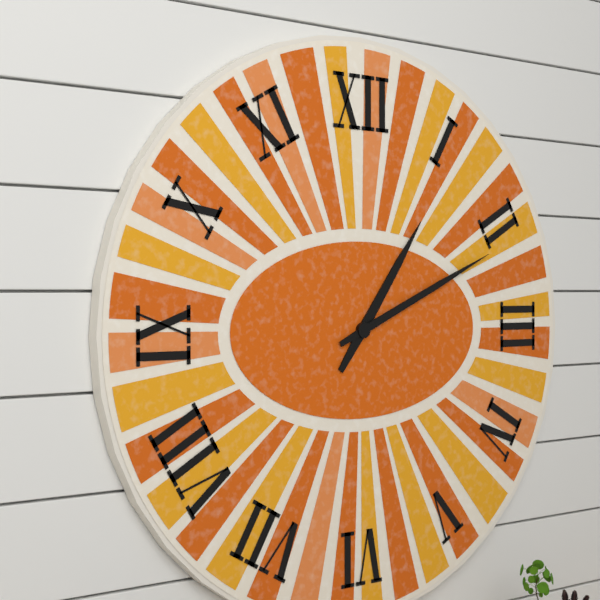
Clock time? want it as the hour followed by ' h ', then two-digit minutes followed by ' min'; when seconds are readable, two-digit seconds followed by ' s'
1 h 11 min
